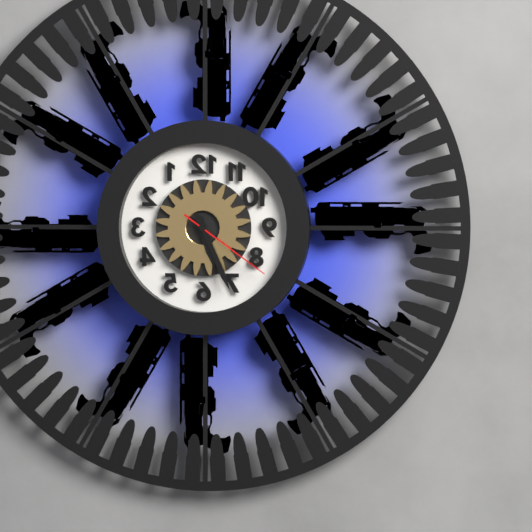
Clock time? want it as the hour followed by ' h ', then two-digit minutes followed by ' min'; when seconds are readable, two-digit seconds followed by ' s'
5 h 26 min 21 s
